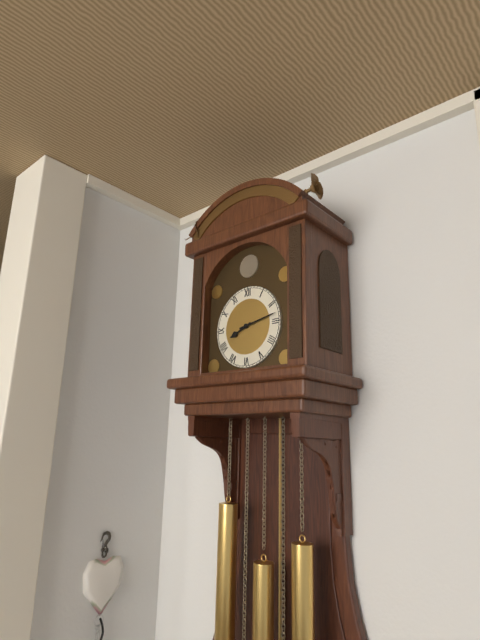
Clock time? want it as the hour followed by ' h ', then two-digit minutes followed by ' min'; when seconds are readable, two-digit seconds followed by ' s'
8 h 13 min
